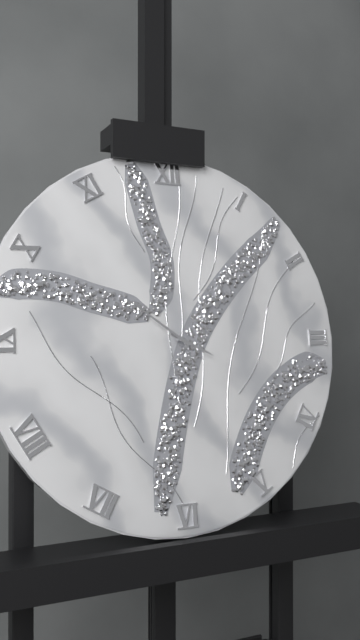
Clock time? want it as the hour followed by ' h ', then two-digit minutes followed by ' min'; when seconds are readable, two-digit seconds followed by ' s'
3 h 51 min
